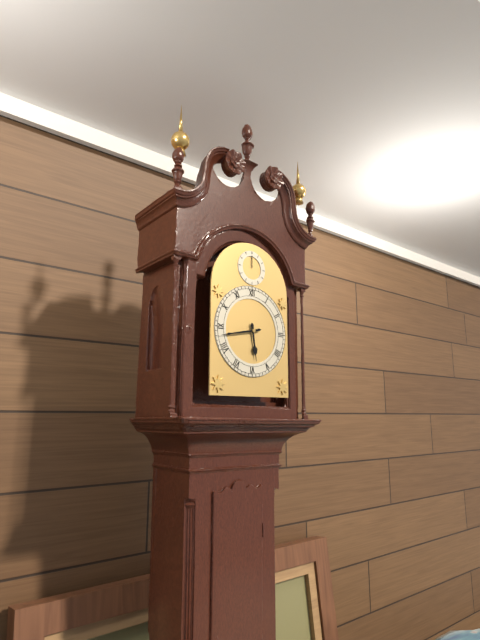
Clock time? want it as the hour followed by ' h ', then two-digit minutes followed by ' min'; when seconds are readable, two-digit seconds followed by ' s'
5 h 43 min
